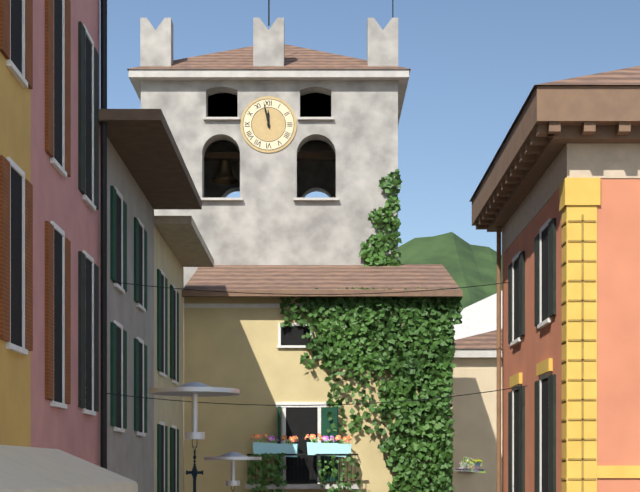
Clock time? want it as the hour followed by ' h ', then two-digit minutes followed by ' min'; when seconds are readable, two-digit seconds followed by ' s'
11 h 58 min
